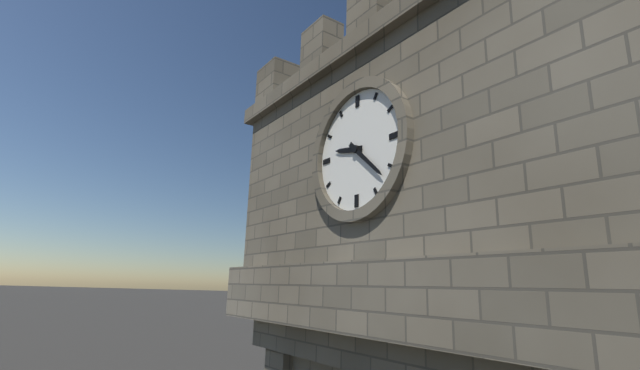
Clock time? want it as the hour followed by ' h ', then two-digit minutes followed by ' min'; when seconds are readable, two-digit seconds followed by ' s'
9 h 22 min
